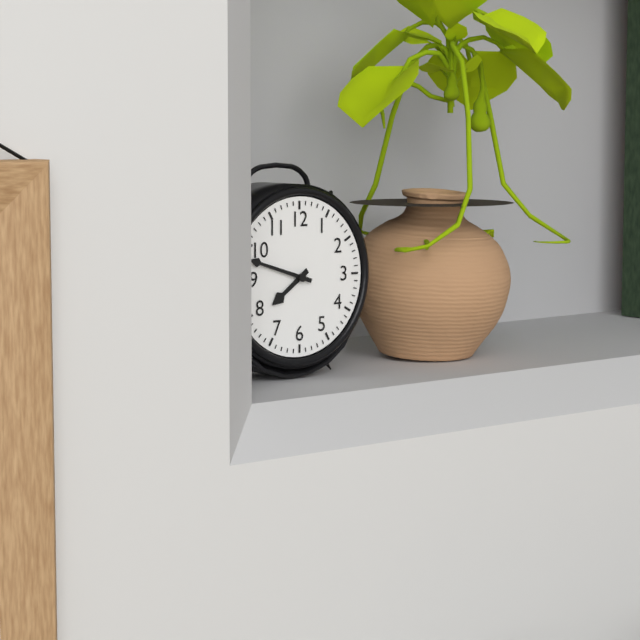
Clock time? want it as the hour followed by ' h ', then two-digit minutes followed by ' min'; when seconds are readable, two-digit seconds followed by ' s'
7 h 48 min
